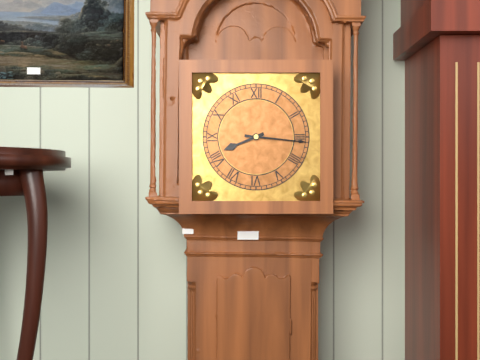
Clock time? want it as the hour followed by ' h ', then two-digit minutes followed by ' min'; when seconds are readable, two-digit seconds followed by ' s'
8 h 16 min
